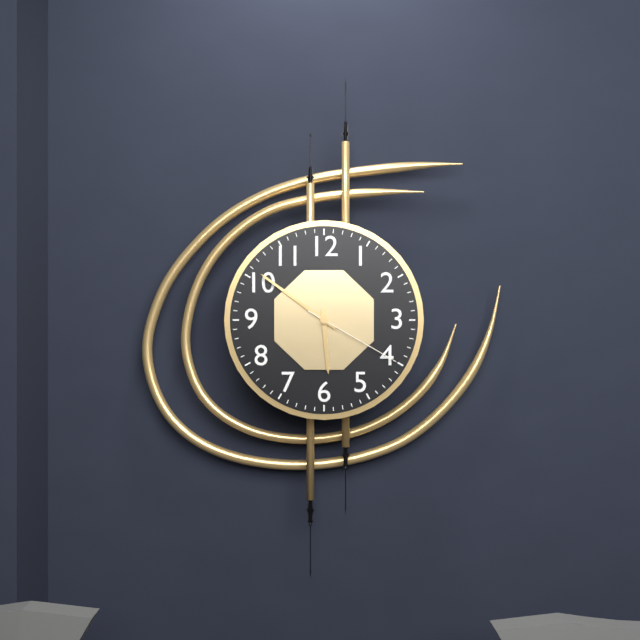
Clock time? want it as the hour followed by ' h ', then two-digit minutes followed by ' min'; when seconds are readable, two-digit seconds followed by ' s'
5 h 51 min 20 s
